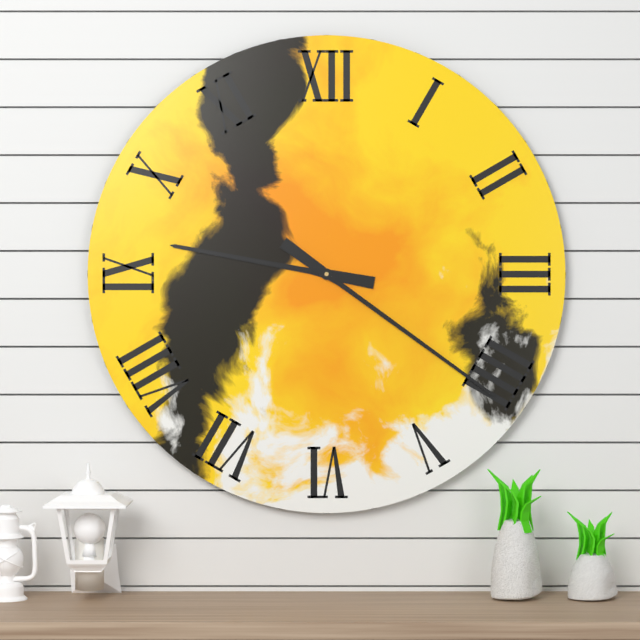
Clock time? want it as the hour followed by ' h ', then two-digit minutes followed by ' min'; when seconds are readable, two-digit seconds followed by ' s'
9 h 21 min
